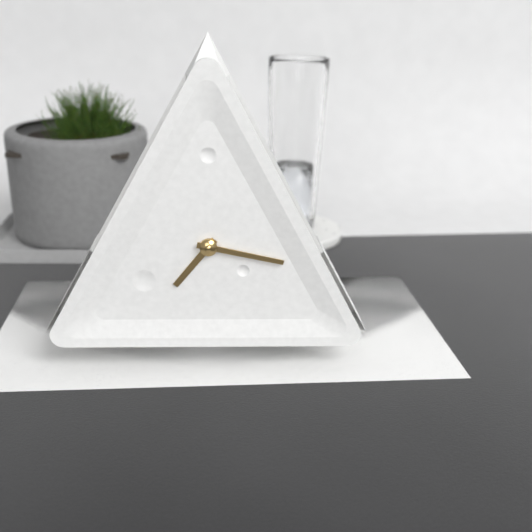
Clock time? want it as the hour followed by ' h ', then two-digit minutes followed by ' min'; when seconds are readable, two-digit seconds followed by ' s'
7 h 17 min
